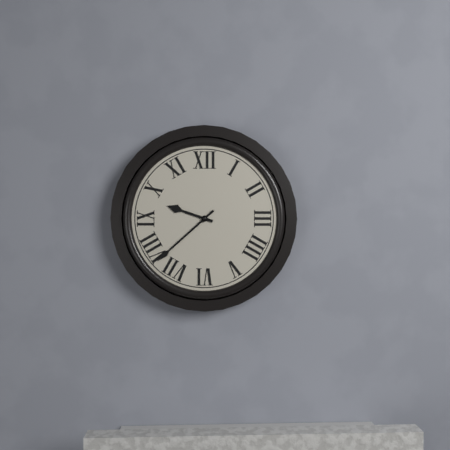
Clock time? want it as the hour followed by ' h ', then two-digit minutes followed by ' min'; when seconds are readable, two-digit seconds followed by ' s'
9 h 38 min
